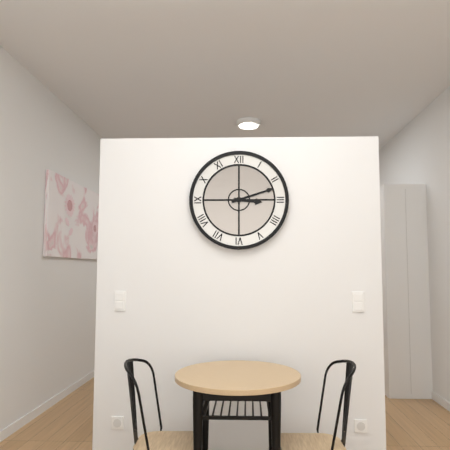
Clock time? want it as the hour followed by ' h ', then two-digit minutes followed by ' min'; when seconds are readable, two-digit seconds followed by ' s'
3 h 12 min
